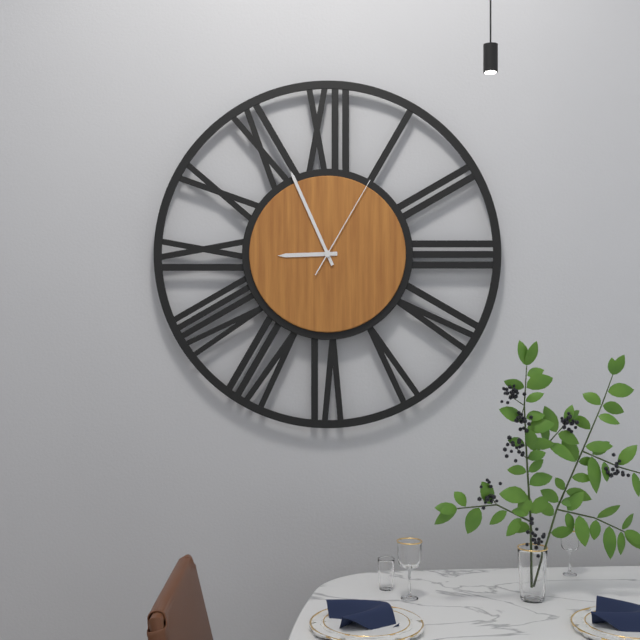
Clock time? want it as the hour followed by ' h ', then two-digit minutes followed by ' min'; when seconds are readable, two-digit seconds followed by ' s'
8 h 56 min 05 s
